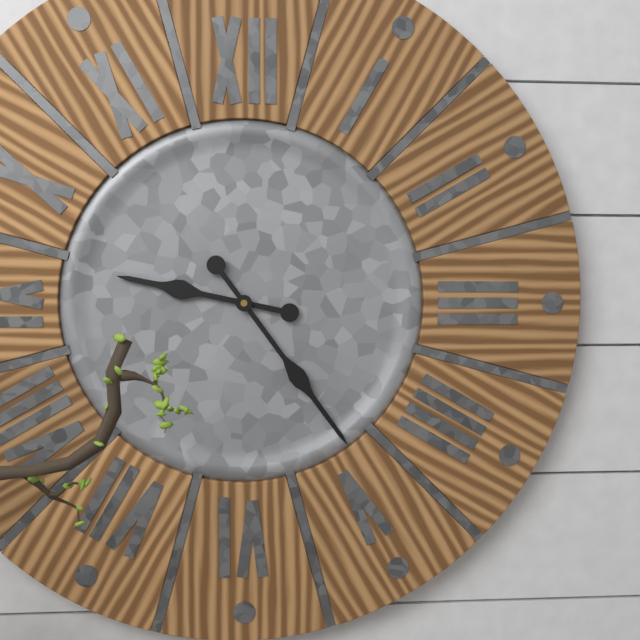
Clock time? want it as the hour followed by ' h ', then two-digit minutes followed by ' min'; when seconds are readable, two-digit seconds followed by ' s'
9 h 24 min
